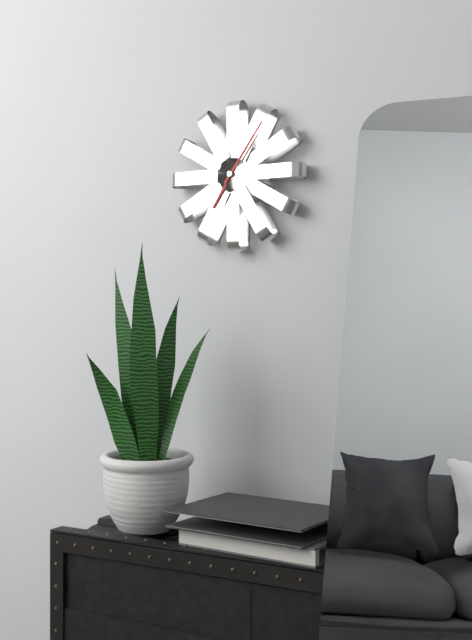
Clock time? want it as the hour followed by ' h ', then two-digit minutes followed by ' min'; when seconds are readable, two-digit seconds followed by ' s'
7 h 06 min
